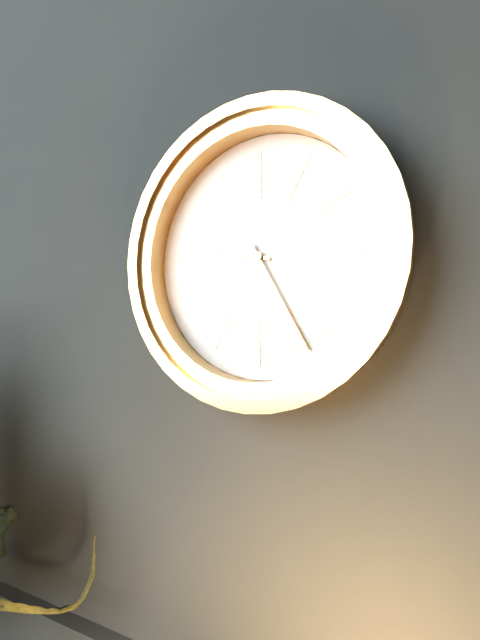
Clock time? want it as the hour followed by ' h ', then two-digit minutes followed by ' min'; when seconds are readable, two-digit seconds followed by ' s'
9 h 25 min
